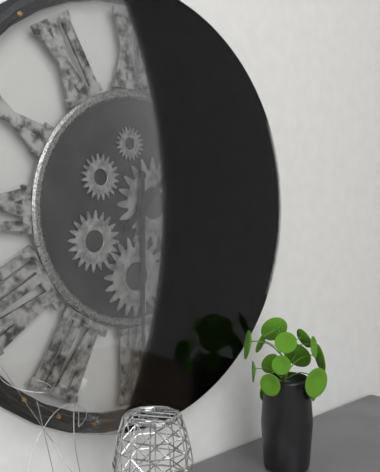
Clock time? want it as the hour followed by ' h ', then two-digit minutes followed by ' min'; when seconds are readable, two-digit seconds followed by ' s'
1 h 30 min
